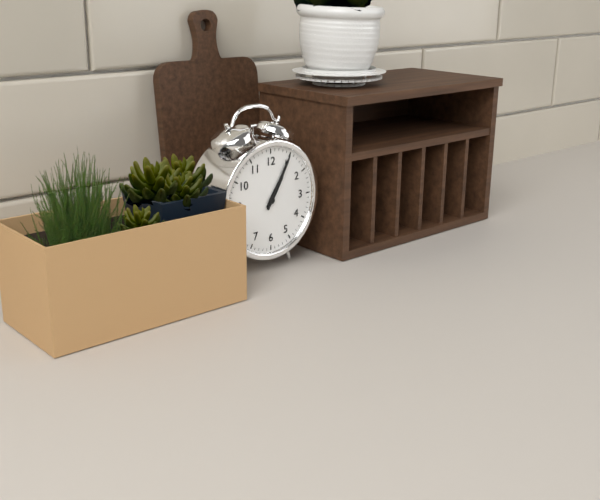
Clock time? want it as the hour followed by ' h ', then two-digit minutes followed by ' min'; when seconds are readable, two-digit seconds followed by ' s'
1 h 05 min
